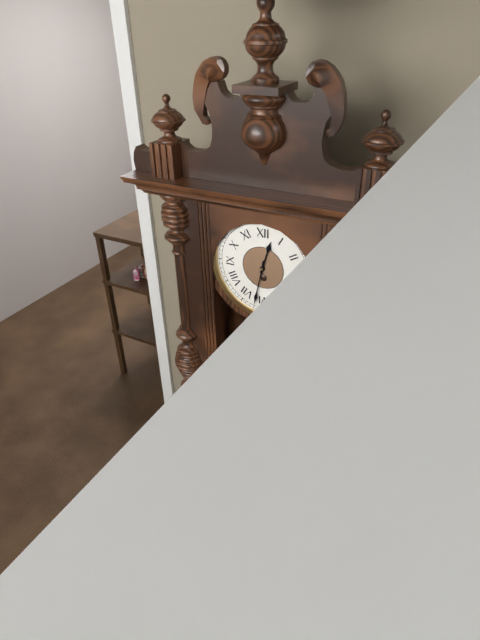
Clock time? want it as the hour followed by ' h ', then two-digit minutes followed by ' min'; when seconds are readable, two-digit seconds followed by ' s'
12 h 32 min
